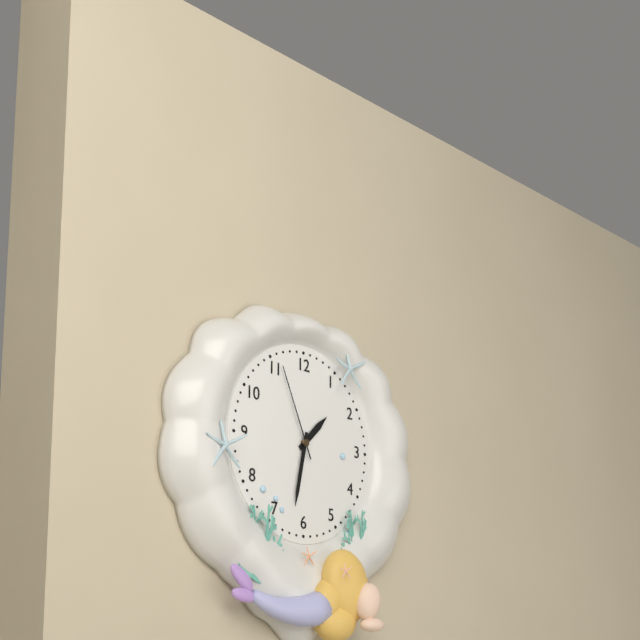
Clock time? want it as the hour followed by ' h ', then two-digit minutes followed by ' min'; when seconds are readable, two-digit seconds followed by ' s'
1 h 32 min 56 s
